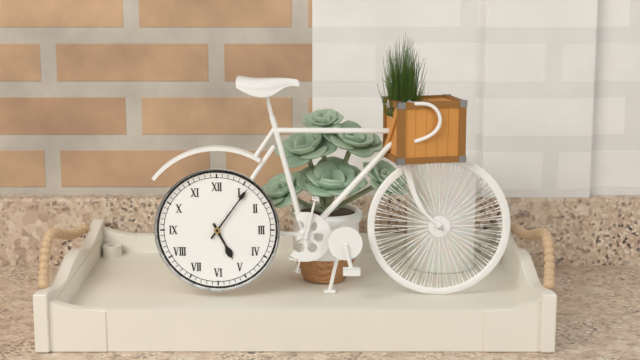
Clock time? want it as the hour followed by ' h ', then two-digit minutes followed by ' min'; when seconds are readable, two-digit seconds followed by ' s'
5 h 06 min
